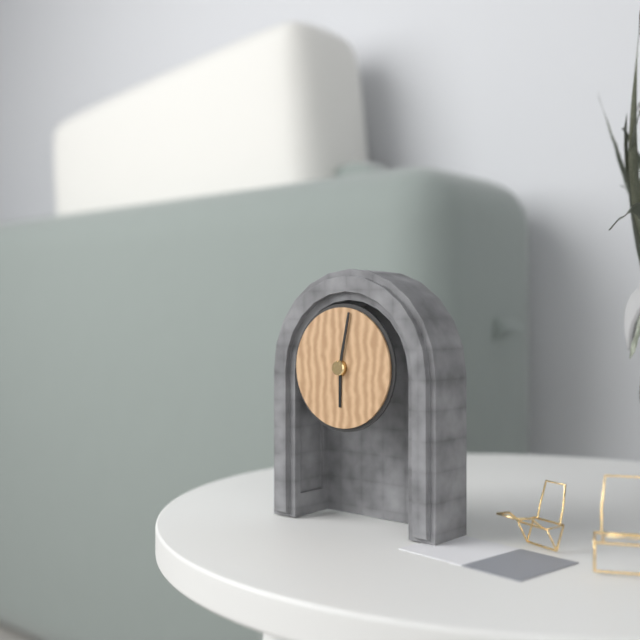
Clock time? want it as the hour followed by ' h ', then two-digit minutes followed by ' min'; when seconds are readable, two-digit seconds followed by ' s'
6 h 02 min
